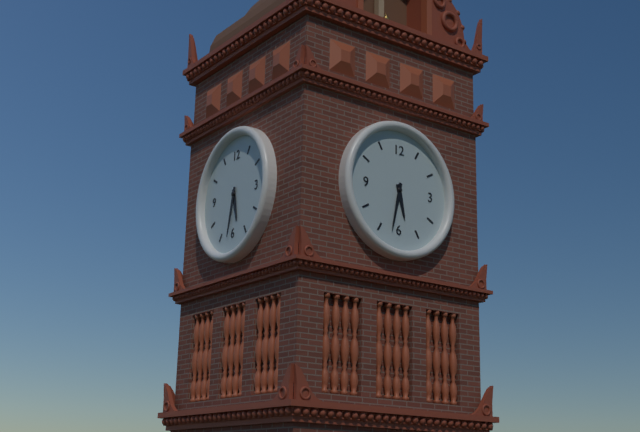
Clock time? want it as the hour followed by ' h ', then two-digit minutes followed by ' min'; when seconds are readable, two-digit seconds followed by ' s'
5 h 32 min
